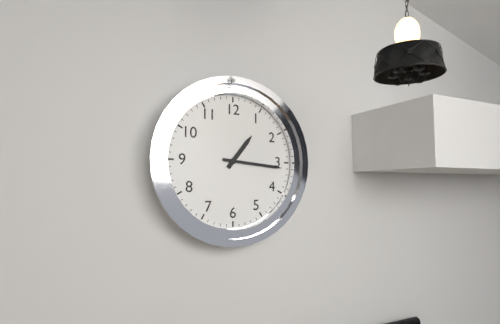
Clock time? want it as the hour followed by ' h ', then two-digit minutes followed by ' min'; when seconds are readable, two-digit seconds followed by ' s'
1 h 16 min
